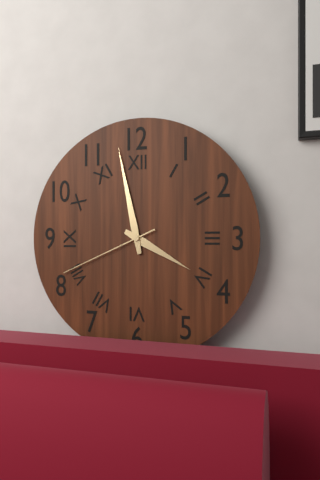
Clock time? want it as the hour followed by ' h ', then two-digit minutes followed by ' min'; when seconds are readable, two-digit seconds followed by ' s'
3 h 58 min 41 s
